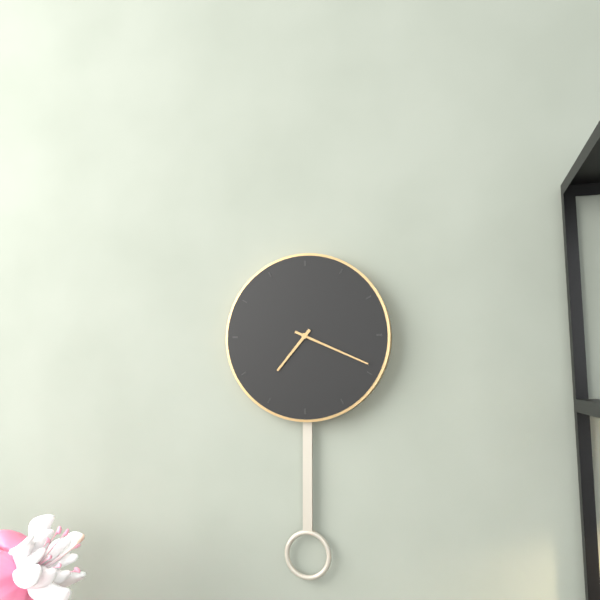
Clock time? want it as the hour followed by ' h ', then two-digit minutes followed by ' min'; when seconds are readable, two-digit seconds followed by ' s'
7 h 19 min
